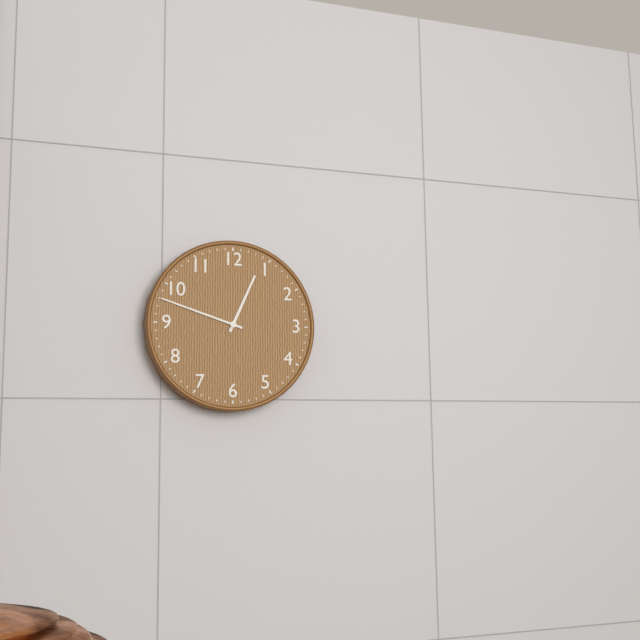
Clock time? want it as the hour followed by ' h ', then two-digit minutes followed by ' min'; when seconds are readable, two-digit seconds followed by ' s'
12 h 48 min
